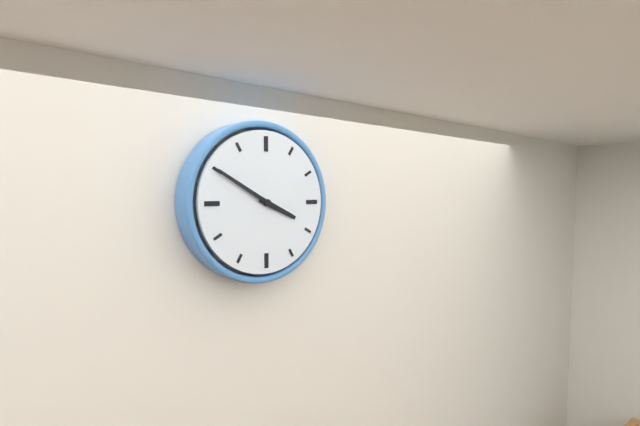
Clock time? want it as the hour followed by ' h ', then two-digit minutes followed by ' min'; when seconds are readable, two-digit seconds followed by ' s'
3 h 50 min
